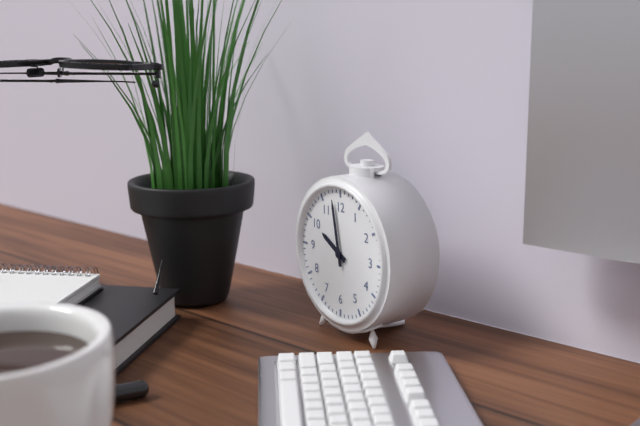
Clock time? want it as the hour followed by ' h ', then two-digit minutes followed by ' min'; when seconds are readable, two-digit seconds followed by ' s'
9 h 58 min
